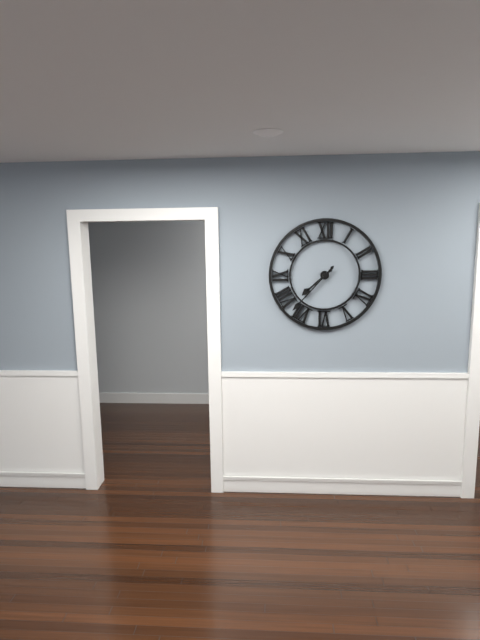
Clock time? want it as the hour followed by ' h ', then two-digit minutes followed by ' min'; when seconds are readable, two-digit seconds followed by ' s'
7 h 37 min
